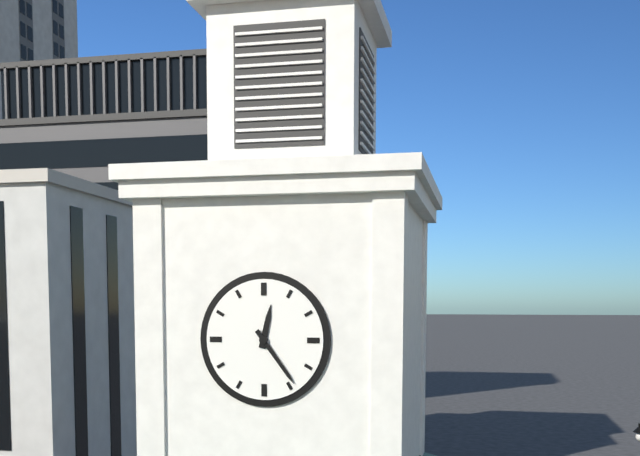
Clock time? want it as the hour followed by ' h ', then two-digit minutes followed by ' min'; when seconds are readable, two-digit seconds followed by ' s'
12 h 24 min
